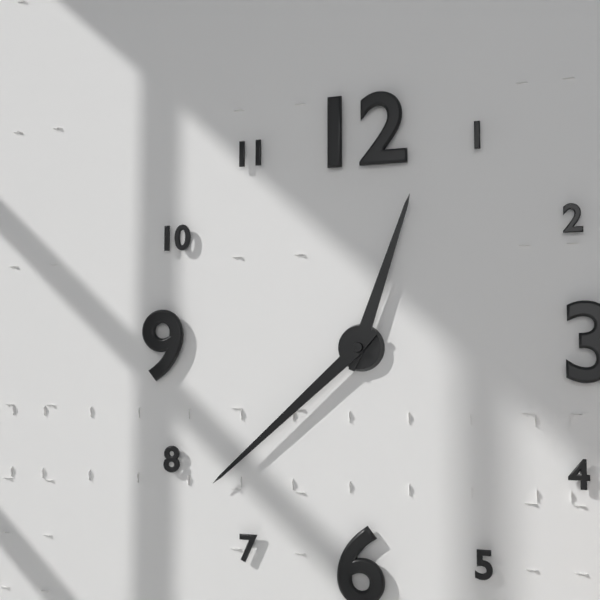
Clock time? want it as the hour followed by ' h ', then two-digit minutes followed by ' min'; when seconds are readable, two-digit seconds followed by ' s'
12 h 38 min
